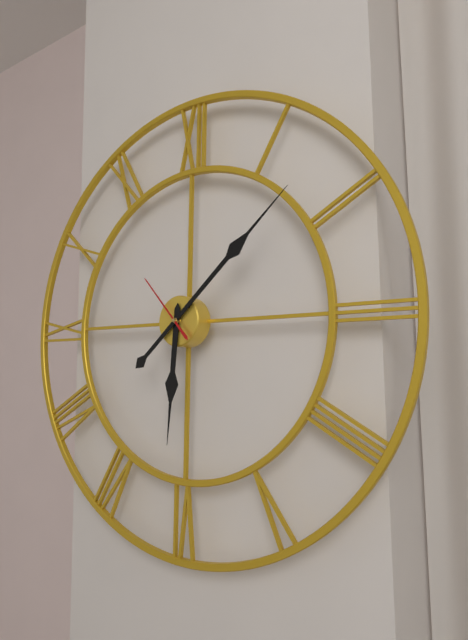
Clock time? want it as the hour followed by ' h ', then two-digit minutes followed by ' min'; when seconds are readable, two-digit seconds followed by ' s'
6 h 08 min 53 s
